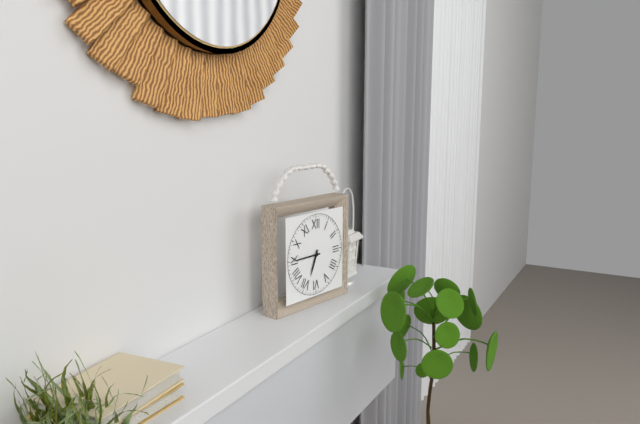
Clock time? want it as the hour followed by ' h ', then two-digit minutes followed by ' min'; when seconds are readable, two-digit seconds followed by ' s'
6 h 45 min
